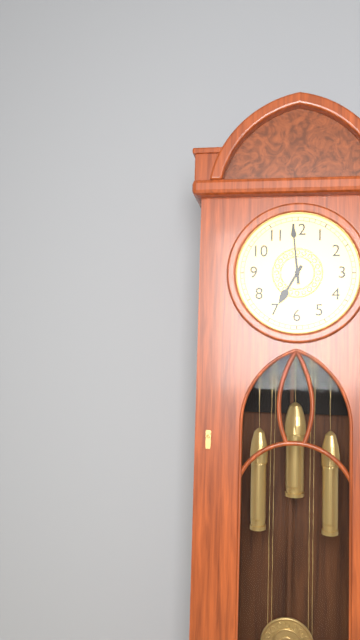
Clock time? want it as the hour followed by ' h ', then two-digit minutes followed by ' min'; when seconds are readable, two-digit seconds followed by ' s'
6 h 59 min
